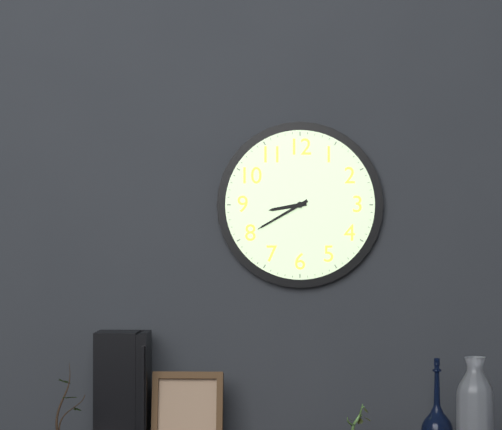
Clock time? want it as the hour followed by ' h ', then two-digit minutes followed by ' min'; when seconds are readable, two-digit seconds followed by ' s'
8 h 40 min
